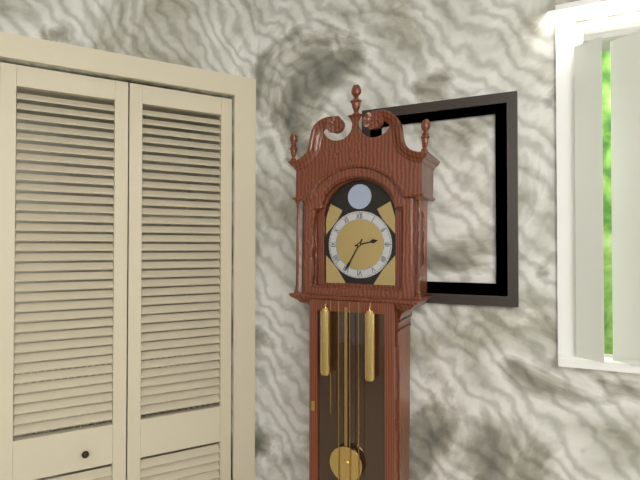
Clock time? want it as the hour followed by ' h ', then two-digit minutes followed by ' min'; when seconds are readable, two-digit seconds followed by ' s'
2 h 35 min
